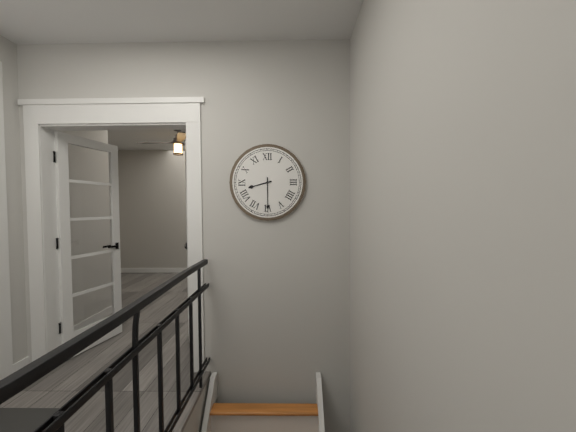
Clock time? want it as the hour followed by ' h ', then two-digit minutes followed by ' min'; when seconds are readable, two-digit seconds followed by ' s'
8 h 30 min
